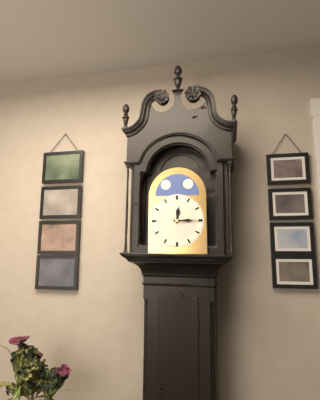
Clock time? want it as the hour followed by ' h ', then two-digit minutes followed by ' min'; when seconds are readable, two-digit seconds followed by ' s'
12 h 15 min
